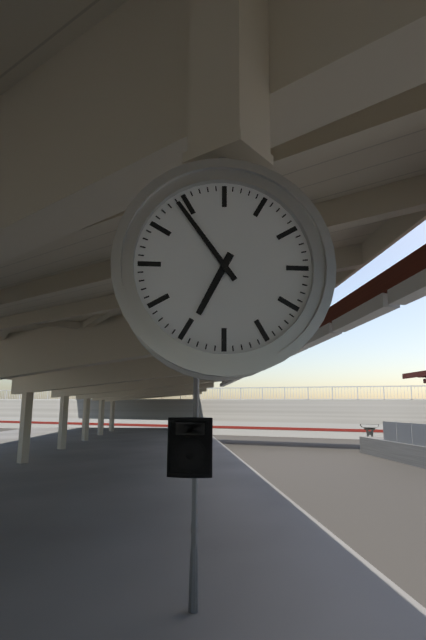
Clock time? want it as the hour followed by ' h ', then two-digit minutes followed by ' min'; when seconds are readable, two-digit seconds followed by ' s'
6 h 54 min
